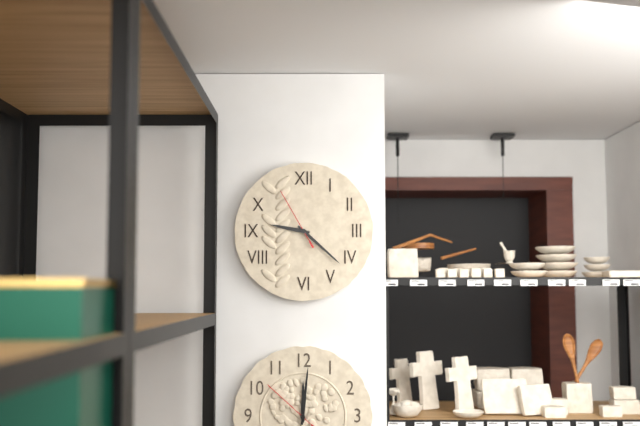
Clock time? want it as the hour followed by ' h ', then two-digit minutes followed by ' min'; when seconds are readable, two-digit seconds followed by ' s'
9 h 22 min 55 s
